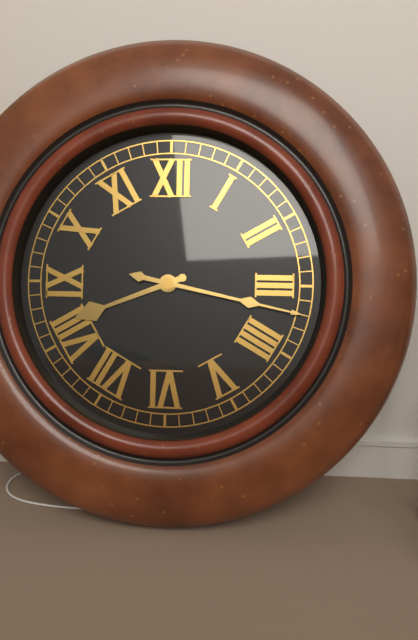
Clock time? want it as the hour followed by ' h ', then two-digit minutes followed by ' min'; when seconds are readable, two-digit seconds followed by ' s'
8 h 17 min
